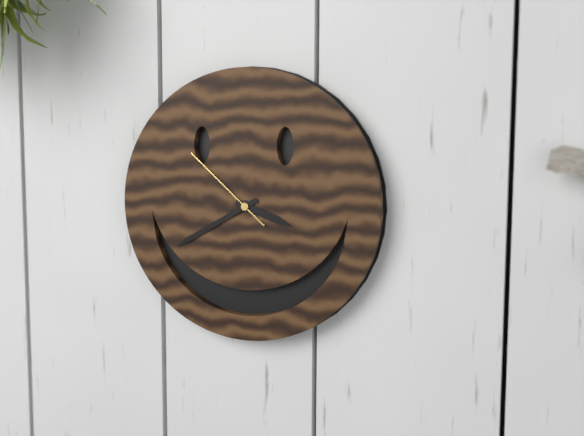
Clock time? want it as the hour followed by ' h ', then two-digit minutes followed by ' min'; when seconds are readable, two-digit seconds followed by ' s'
3 h 40 min 52 s
